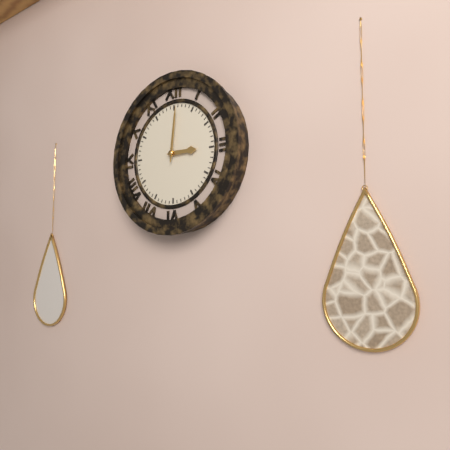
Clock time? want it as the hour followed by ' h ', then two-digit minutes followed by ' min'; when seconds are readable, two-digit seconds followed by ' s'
3 h 01 min
